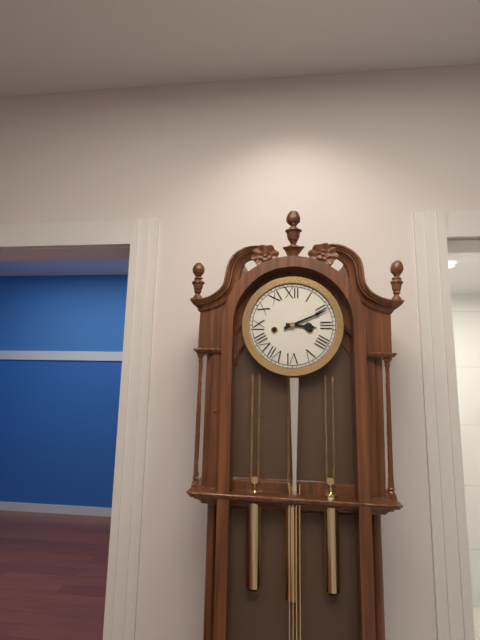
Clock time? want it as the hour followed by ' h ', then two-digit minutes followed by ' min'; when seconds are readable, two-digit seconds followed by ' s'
3 h 11 min
